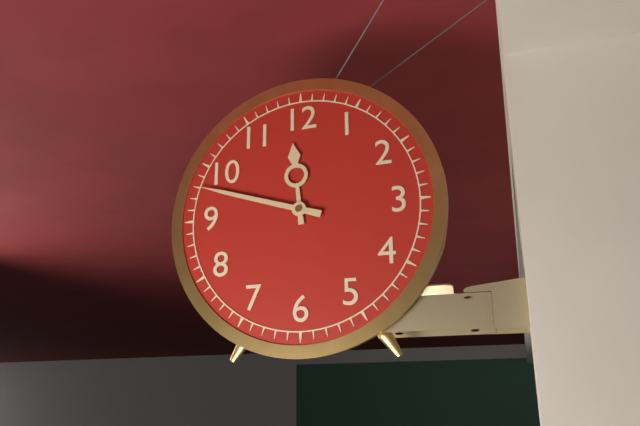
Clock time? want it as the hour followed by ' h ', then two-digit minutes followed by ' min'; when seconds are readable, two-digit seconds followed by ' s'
11 h 48 min
